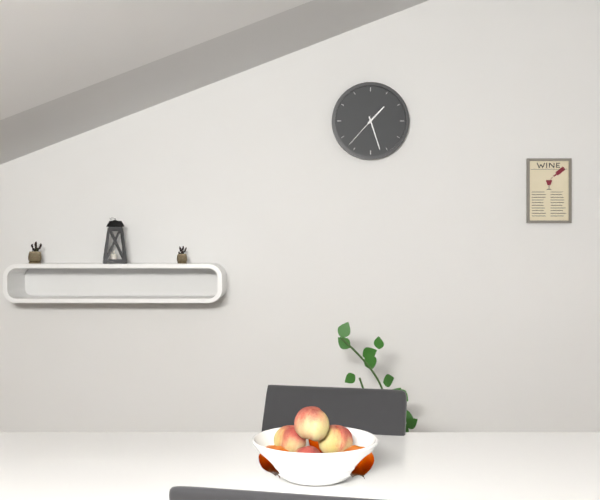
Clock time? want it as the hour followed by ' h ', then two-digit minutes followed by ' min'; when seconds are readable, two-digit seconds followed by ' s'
1 h 27 min
